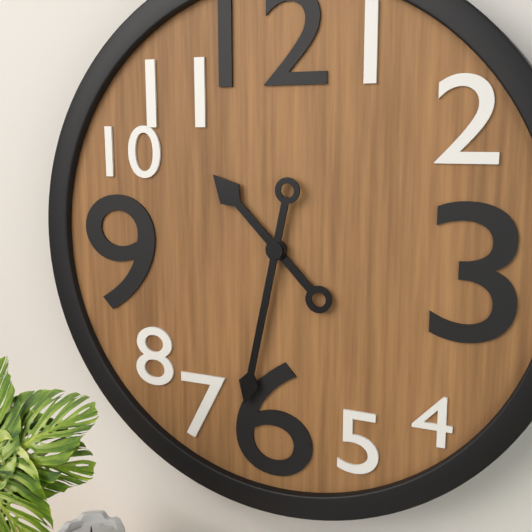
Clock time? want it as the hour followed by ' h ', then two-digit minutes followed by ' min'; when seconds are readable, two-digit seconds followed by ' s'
10 h 32 min
